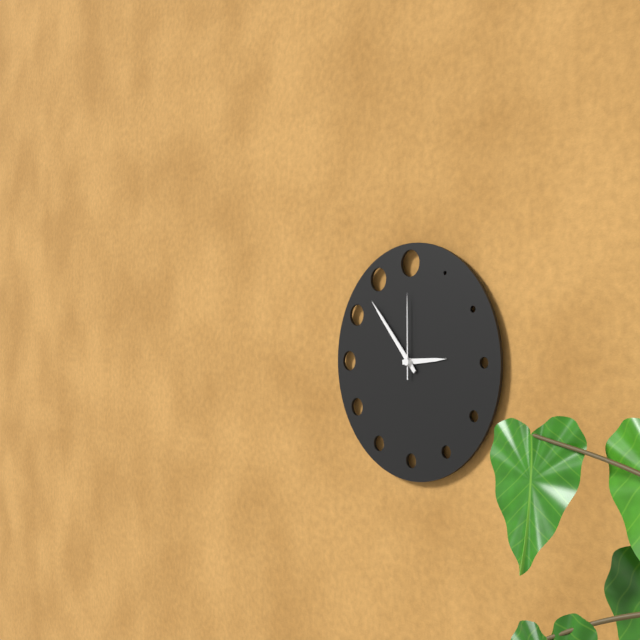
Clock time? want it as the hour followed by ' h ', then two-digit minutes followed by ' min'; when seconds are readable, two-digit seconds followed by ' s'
2 h 53 min 00 s
